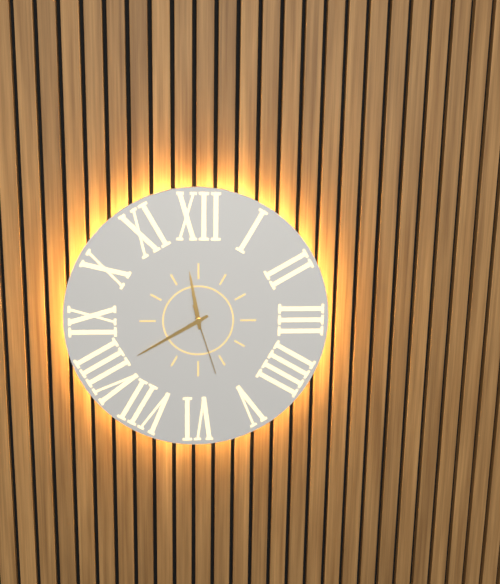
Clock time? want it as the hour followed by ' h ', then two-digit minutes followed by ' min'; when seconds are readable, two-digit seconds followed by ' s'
11 h 40 min 27 s
